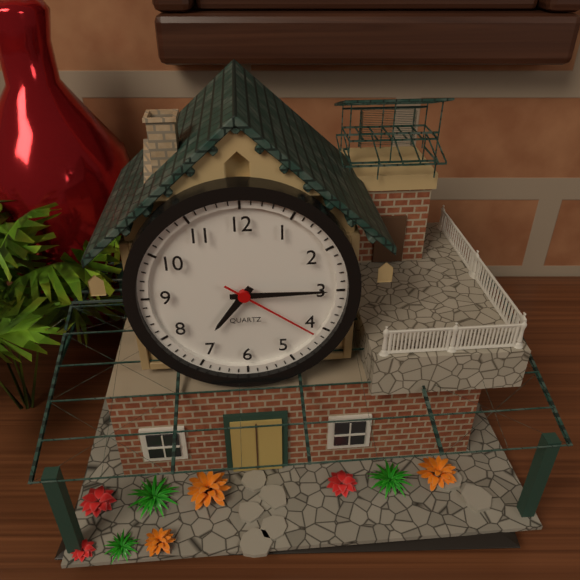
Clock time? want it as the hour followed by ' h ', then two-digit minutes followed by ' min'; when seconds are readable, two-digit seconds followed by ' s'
7 h 15 min 21 s
